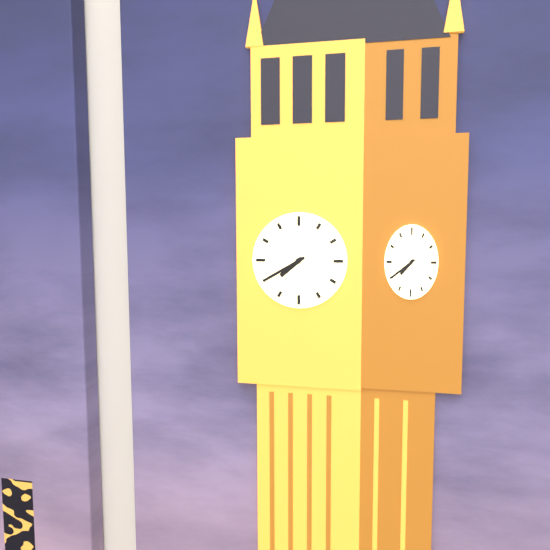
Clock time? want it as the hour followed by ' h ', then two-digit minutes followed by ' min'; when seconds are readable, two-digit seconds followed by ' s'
7 h 40 min
